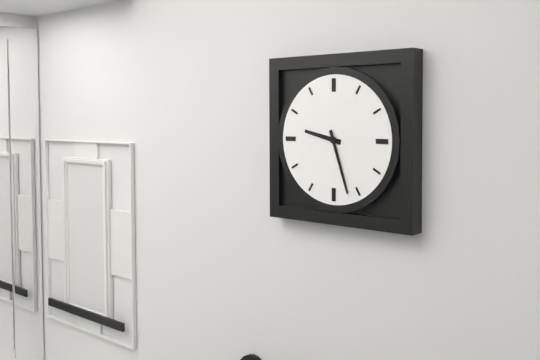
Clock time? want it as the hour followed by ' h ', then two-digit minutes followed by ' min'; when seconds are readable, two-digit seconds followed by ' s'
9 h 27 min
